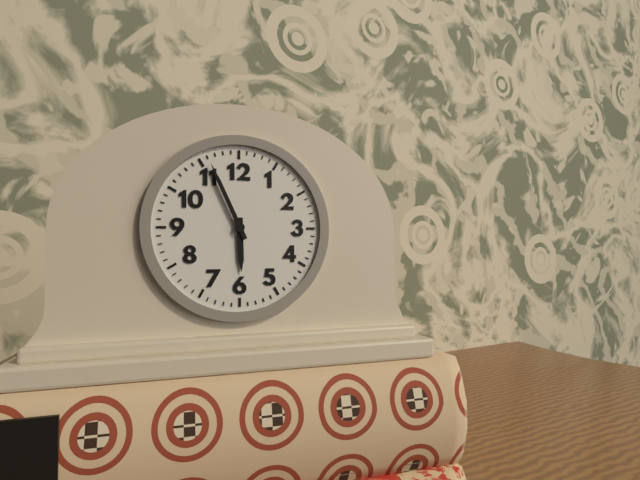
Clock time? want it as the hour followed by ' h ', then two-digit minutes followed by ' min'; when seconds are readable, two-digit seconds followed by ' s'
5 h 56 min
